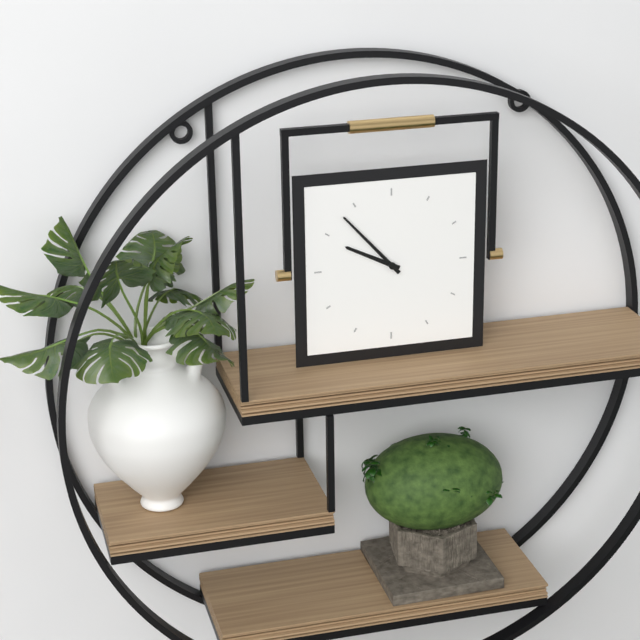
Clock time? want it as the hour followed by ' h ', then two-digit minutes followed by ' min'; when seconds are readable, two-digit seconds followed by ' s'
9 h 53 min
